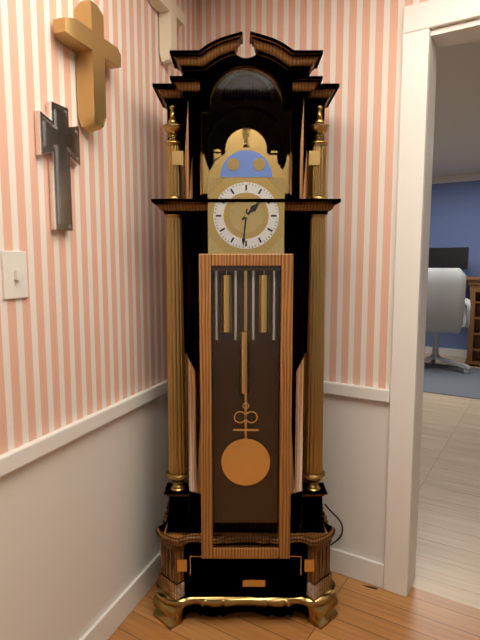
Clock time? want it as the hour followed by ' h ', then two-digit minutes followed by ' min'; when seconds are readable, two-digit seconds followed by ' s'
1 h 31 min
